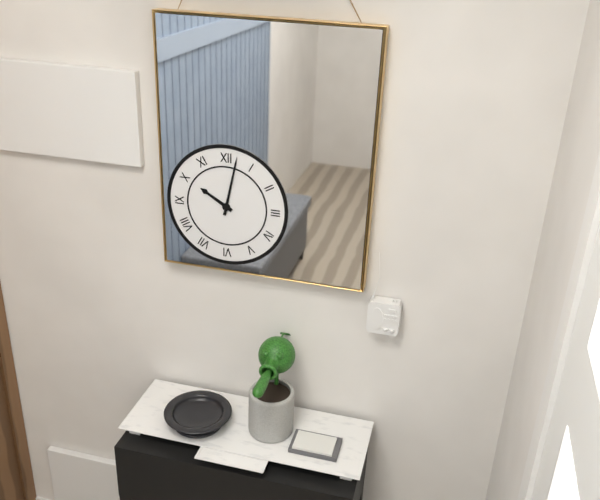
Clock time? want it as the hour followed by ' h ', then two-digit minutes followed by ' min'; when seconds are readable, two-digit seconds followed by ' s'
10 h 02 min
